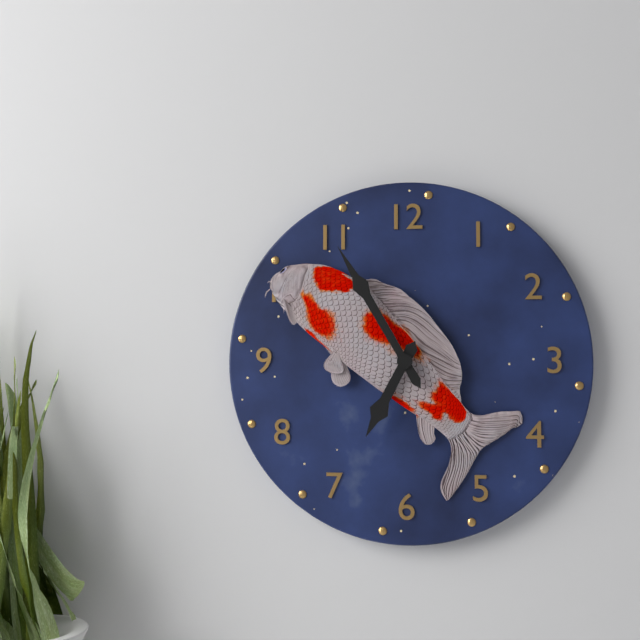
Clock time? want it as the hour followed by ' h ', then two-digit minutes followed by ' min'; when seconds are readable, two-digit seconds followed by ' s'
6 h 55 min
